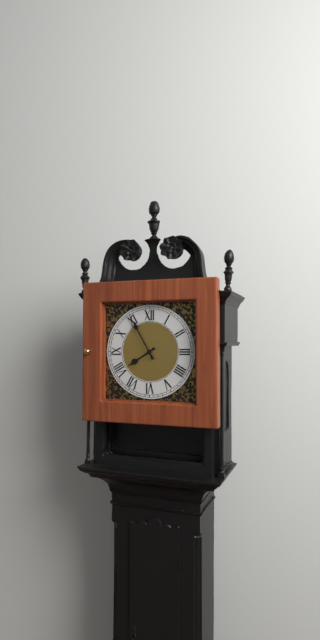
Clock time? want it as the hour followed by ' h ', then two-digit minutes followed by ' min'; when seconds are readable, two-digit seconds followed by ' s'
7 h 55 min
